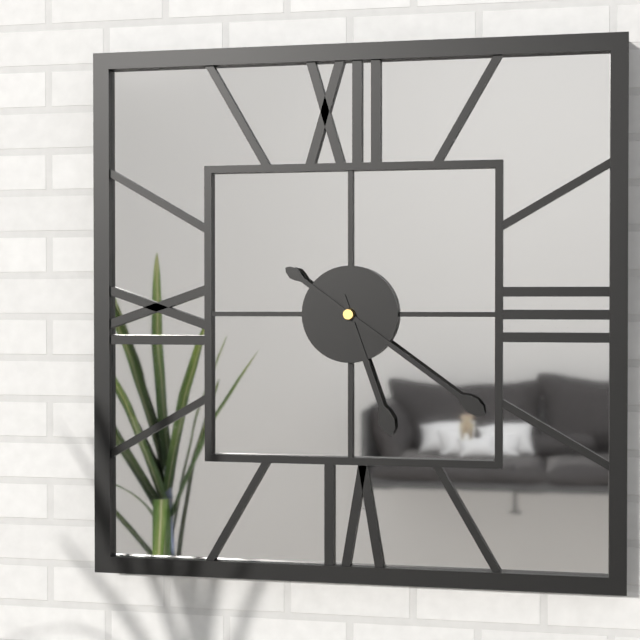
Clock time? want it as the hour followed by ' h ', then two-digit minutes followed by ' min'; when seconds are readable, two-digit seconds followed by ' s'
5 h 21 min
